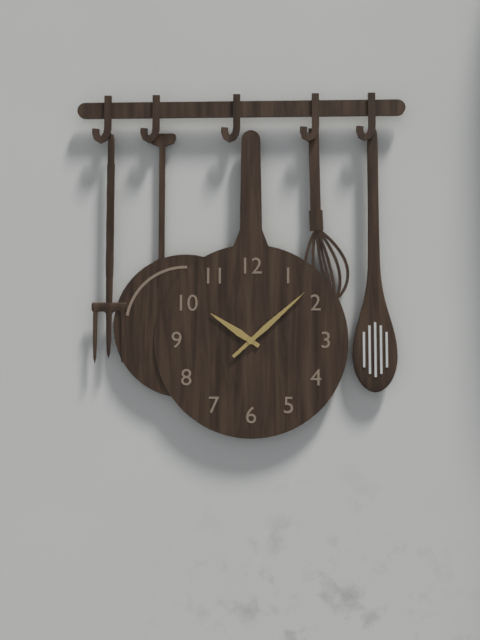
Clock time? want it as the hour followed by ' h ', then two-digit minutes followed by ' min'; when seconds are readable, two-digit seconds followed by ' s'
10 h 08 min
